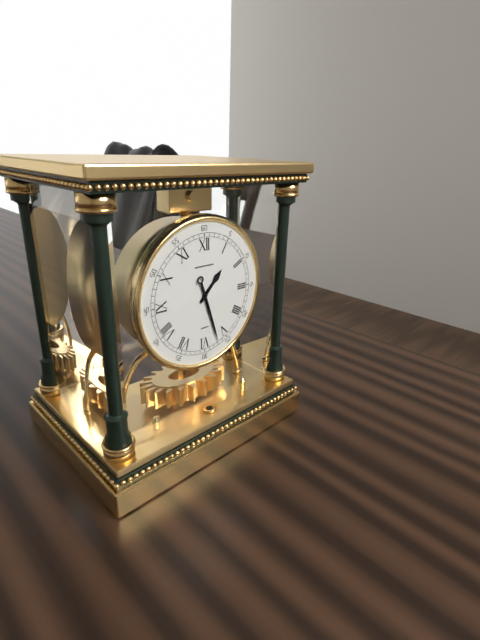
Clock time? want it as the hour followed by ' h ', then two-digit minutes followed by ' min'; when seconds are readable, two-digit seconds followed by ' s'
1 h 27 min
